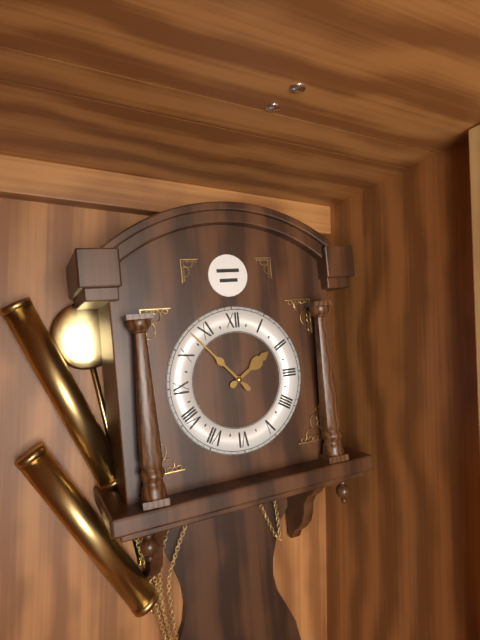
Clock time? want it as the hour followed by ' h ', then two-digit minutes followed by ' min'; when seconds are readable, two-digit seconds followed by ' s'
1 h 53 min
